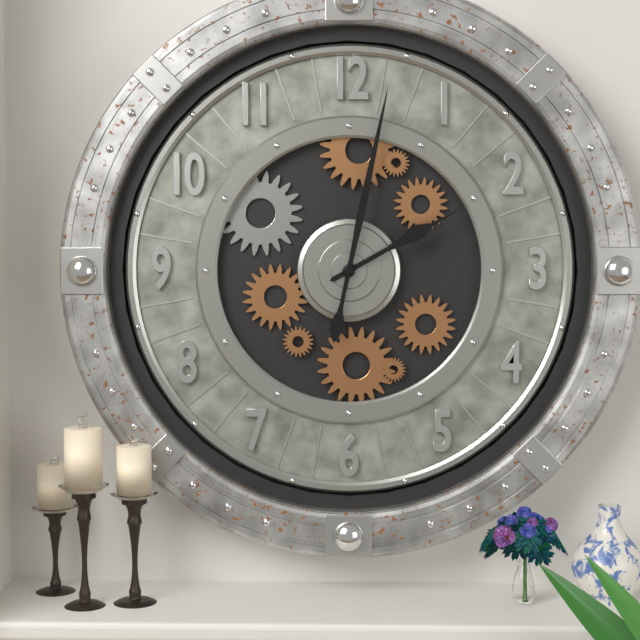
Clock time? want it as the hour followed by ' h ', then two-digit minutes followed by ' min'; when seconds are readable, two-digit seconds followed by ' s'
2 h 02 min
